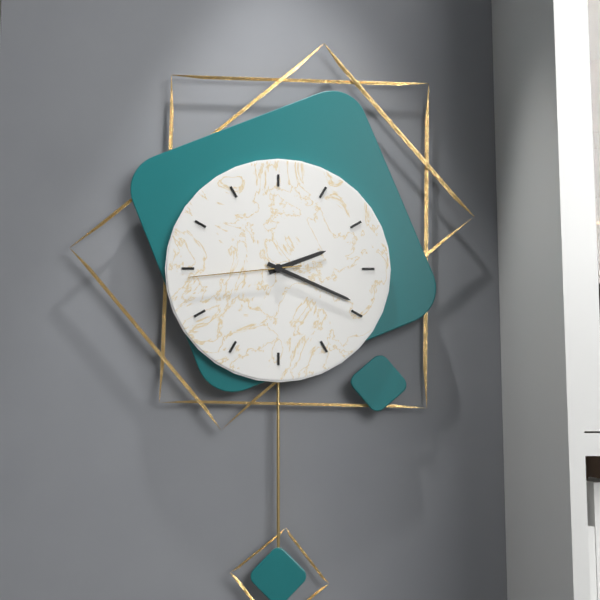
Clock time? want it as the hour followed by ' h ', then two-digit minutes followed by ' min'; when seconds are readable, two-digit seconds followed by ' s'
2 h 19 min 44 s
